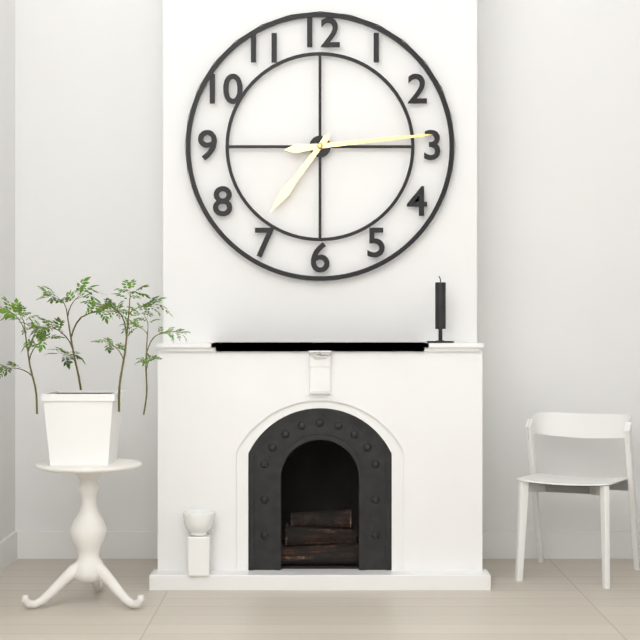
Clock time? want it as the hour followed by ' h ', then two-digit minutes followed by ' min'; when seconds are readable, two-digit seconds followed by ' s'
7 h 14 min
